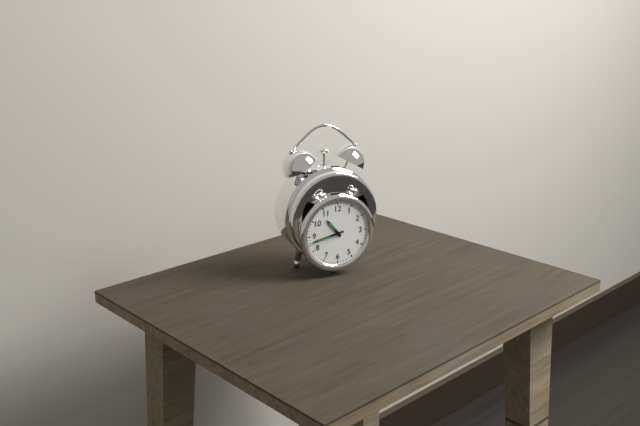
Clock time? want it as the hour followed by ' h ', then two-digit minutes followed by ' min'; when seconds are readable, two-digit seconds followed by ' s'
10 h 43 min
